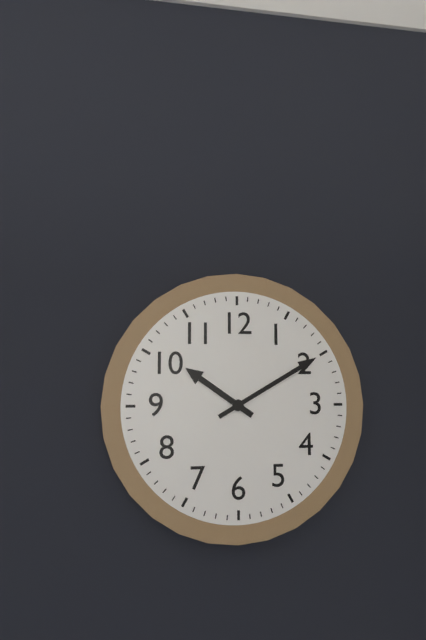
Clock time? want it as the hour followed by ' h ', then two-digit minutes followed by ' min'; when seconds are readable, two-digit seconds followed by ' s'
10 h 10 min
